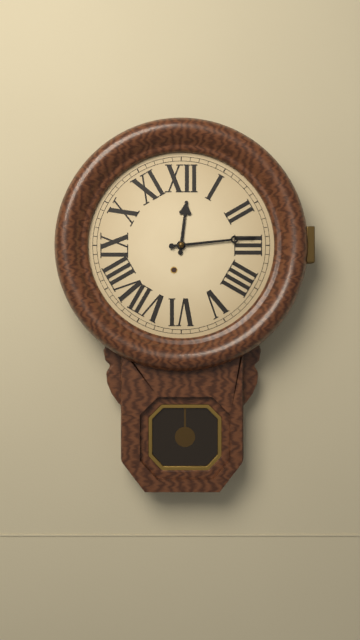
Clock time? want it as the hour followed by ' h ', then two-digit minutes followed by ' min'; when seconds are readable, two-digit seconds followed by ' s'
12 h 14 min
